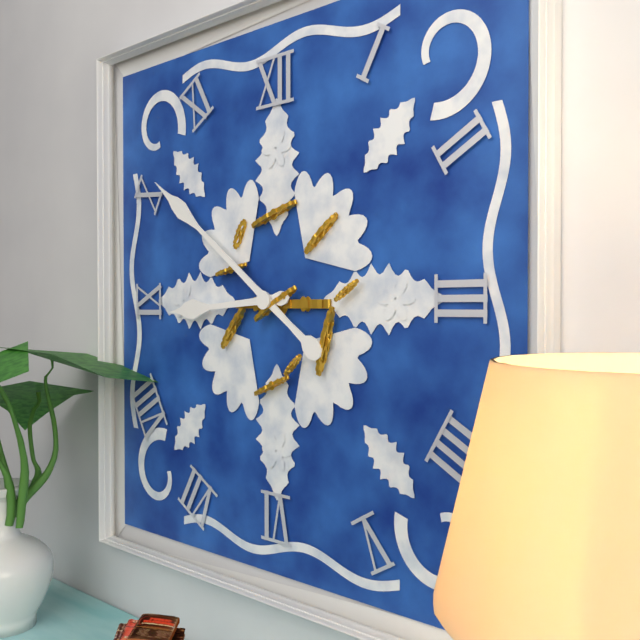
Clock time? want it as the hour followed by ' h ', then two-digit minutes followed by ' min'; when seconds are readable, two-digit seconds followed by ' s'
8 h 51 min
